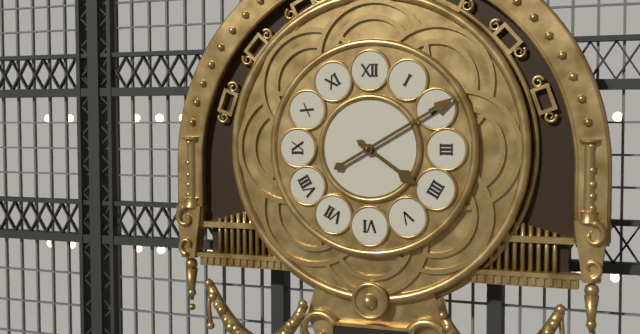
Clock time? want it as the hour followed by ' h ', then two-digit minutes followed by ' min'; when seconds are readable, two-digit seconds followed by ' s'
4 h 10 min
